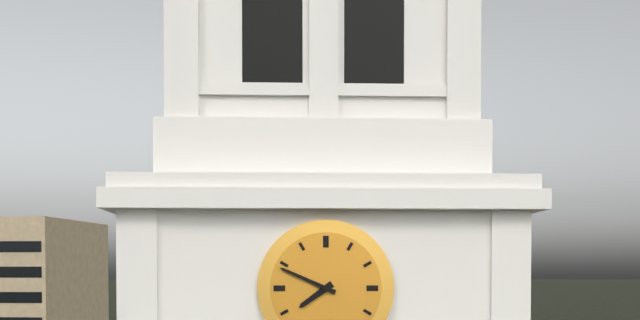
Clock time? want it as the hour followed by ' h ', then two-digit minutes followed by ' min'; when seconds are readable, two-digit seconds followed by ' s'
7 h 49 min
